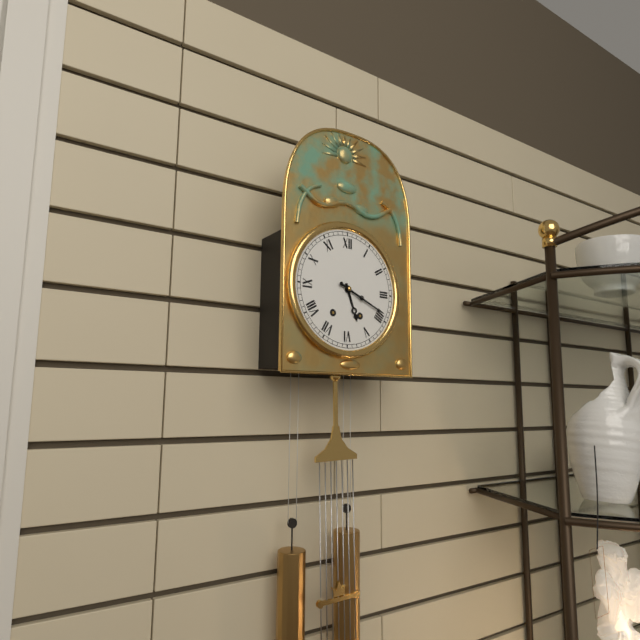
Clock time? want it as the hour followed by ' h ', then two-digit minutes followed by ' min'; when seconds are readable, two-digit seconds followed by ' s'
5 h 19 min
